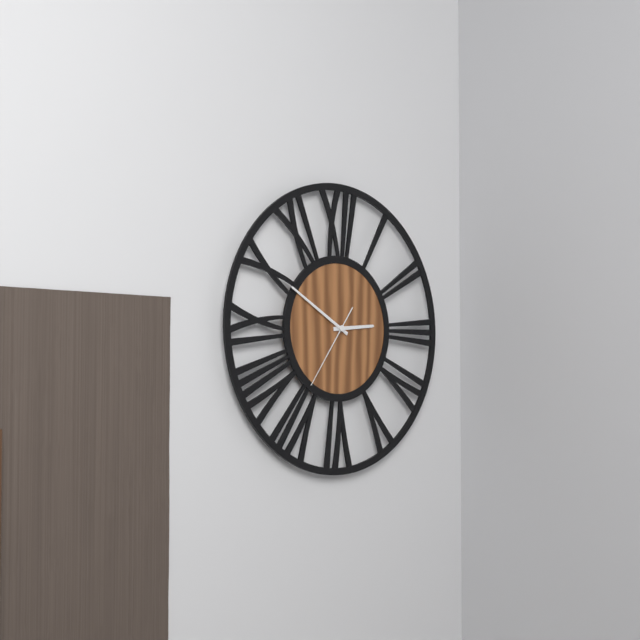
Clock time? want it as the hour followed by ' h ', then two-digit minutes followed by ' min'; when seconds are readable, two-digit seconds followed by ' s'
2 h 50 min 36 s
